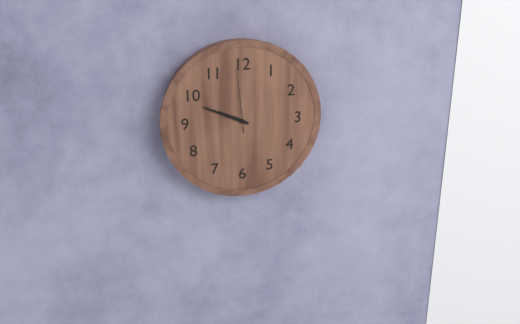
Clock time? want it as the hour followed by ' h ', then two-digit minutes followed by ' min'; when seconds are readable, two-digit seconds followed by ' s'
9 h 49 min 59 s
